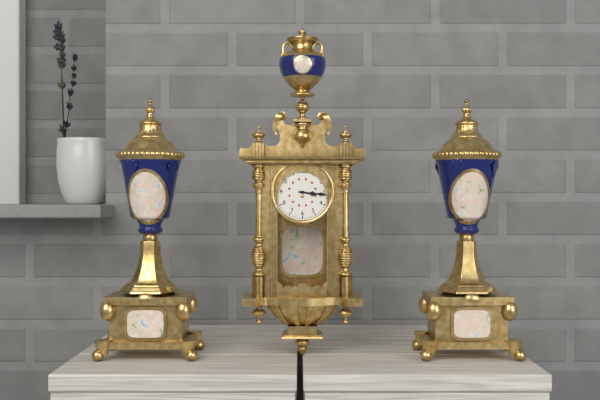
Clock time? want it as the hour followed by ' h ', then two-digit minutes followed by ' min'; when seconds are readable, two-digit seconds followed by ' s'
3 h 16 min
